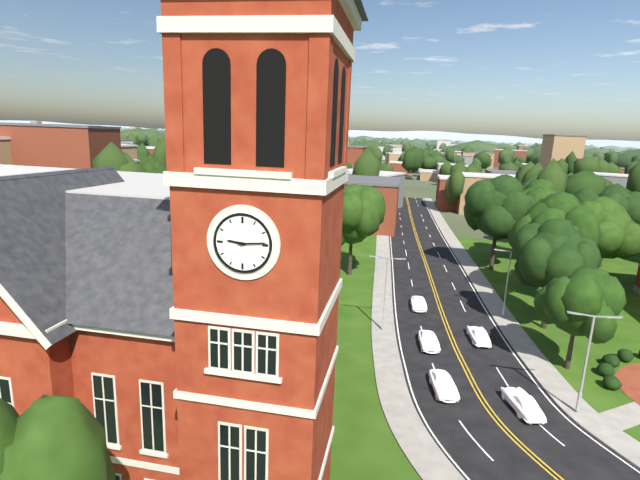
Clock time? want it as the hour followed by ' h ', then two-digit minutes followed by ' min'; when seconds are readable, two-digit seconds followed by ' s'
9 h 14 min
